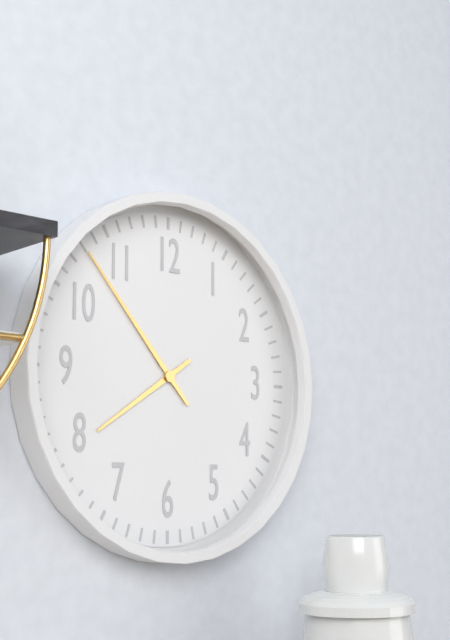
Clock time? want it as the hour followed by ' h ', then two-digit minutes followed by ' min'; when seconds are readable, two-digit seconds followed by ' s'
7 h 53 min
